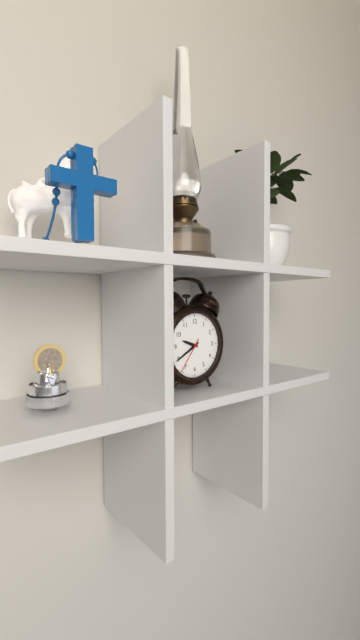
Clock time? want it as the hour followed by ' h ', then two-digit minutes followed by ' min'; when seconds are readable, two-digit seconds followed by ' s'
9 h 40 min
